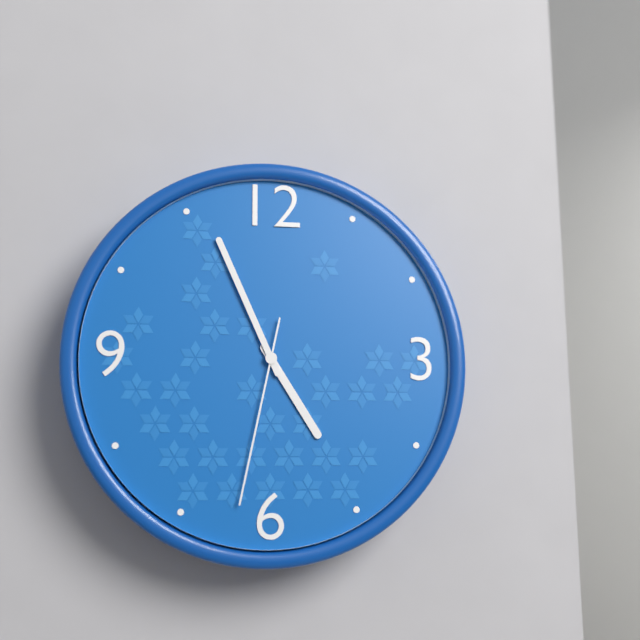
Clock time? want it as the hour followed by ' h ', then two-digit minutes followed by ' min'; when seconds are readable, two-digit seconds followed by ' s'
4 h 56 min 32 s
